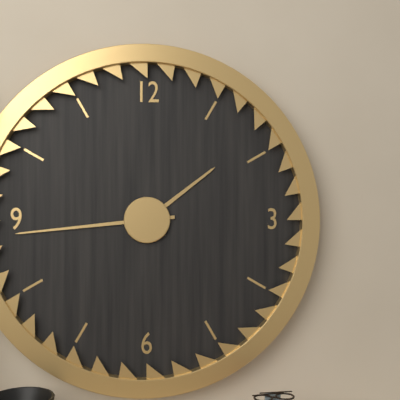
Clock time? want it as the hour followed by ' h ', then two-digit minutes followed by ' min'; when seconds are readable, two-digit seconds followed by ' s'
1 h 44 min
